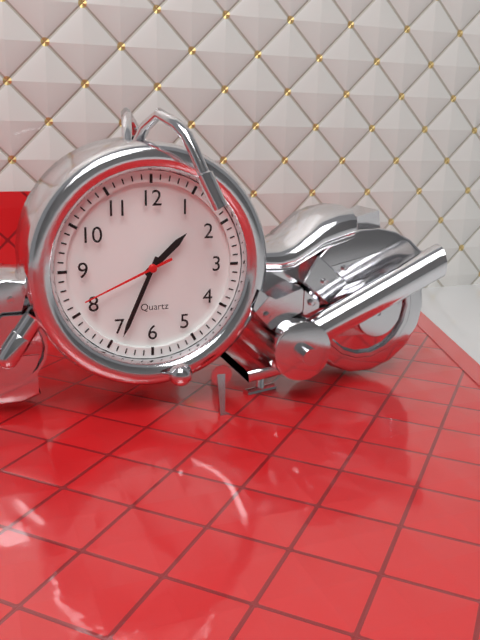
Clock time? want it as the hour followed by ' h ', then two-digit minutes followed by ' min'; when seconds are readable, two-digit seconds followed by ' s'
1 h 34 min 41 s
